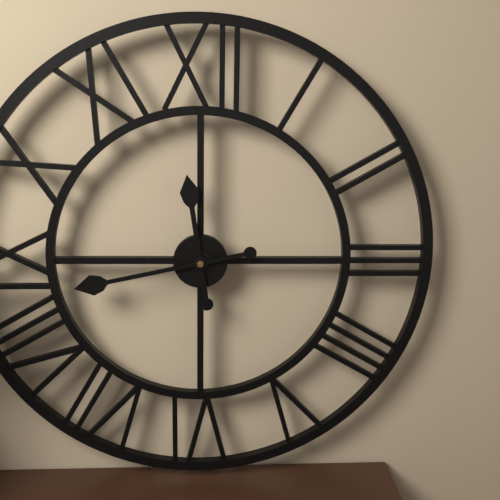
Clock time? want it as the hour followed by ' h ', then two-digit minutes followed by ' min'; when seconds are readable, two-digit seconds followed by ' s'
11 h 43 min
